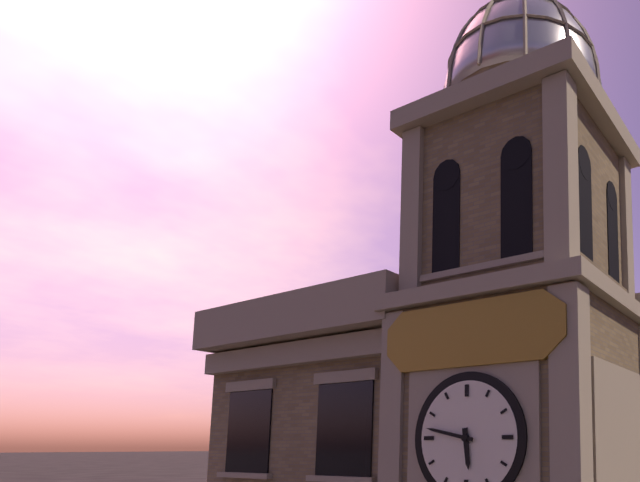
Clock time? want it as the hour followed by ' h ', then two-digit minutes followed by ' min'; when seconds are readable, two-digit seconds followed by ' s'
5 h 47 min
